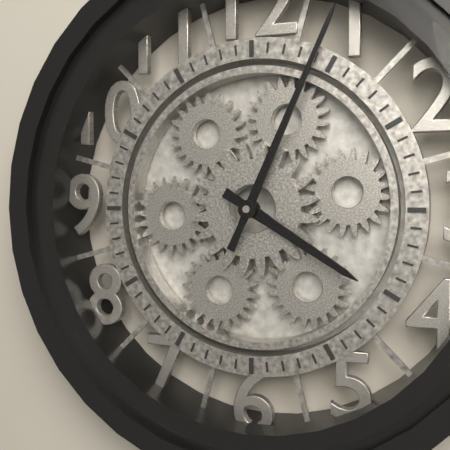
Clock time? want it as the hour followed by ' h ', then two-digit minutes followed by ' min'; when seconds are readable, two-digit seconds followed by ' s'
4 h 04 min
